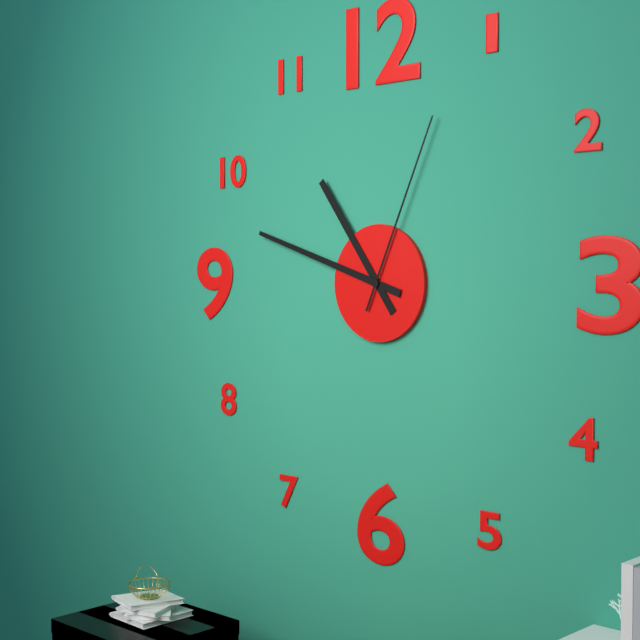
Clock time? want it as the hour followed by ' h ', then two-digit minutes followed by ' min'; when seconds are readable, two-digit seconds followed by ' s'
10 h 48 min 04 s
